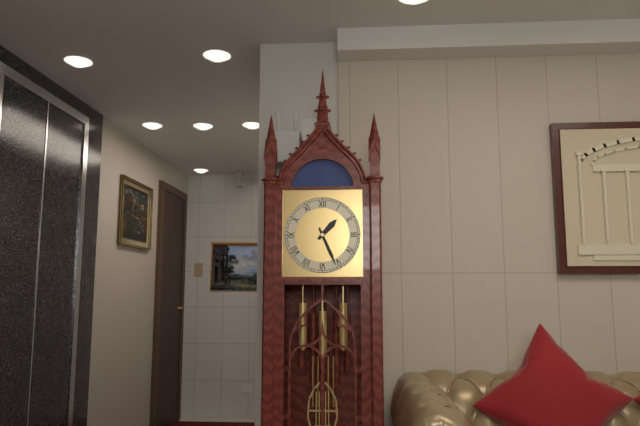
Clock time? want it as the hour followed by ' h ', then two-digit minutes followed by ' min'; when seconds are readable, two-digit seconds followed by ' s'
1 h 26 min
